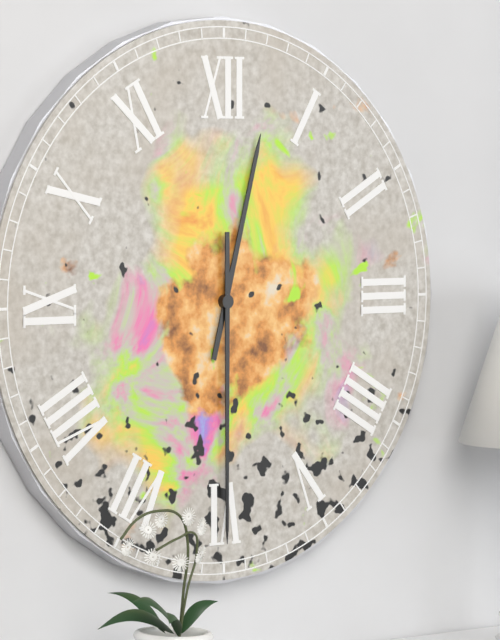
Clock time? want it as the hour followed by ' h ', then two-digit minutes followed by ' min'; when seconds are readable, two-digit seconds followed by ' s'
12 h 30 min
